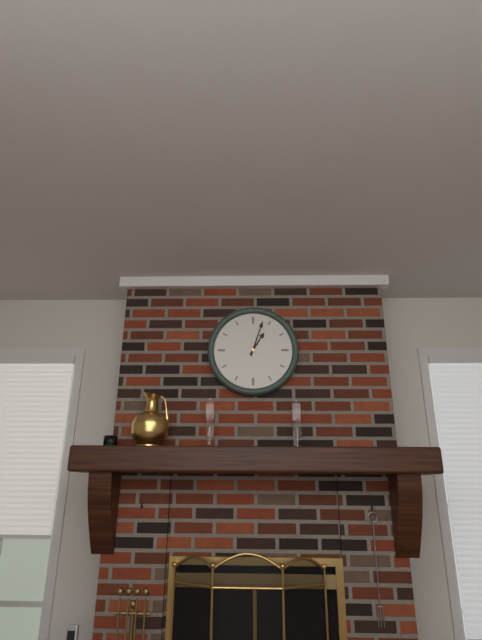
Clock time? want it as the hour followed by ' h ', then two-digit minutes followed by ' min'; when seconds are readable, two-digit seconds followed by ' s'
1 h 03 min
